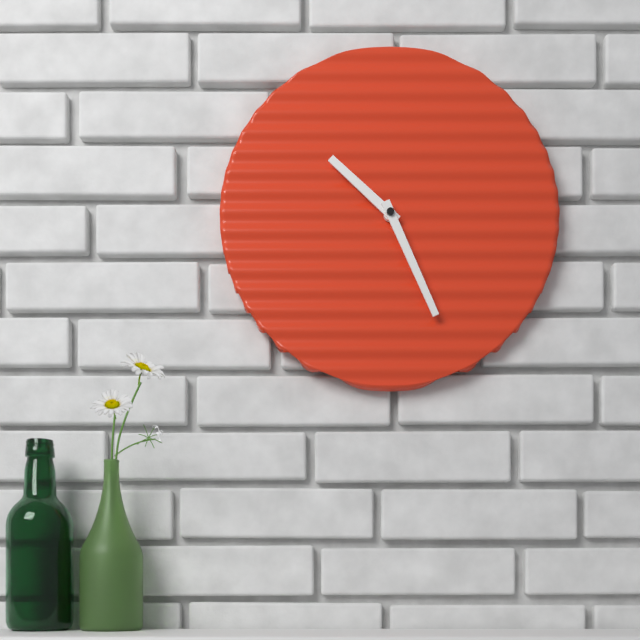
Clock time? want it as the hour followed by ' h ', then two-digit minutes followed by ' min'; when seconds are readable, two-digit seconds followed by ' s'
10 h 26 min
